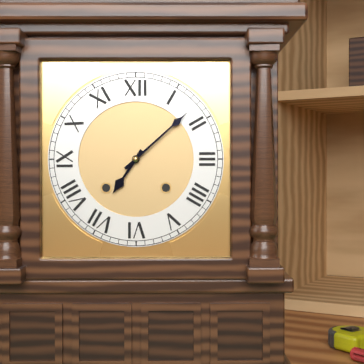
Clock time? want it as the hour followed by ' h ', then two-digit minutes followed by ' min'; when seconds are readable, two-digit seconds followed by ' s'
7 h 08 min
